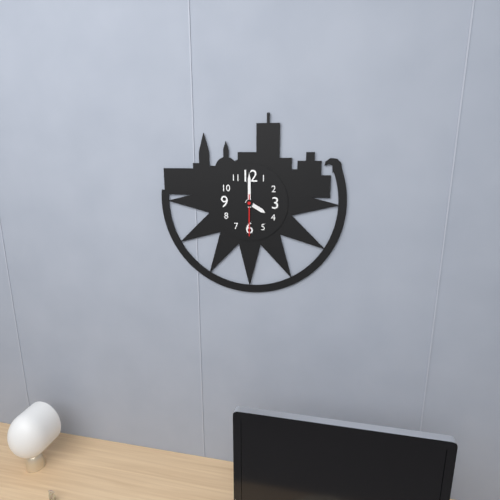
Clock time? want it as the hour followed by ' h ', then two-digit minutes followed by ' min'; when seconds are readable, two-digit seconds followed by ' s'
4 h 00 min
